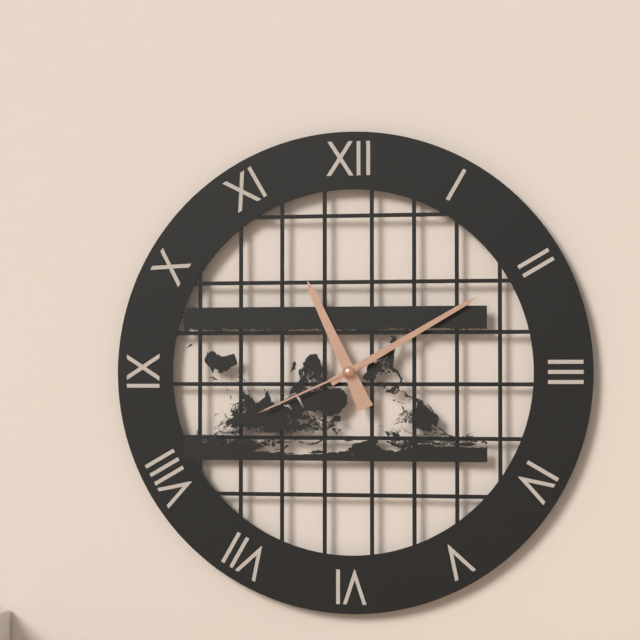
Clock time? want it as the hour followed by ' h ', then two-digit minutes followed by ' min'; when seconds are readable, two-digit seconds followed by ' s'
11 h 10 min 41 s
